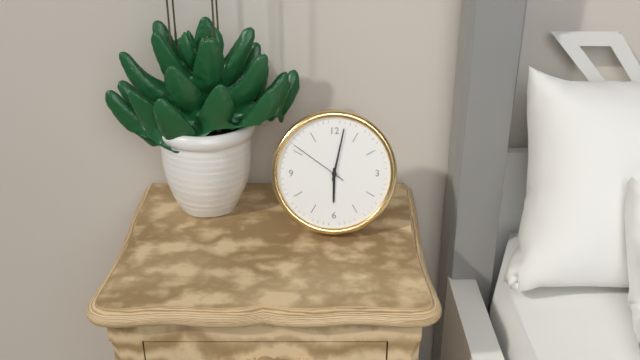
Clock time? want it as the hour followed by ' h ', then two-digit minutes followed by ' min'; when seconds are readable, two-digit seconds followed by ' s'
6 h 02 min 51 s
